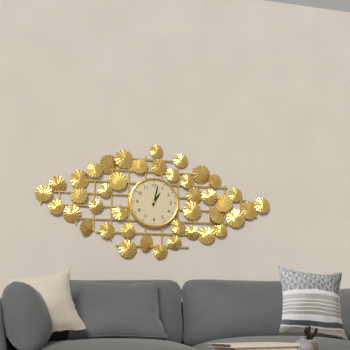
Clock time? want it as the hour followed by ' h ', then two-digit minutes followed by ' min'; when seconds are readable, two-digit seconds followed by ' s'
1 h 02 min
